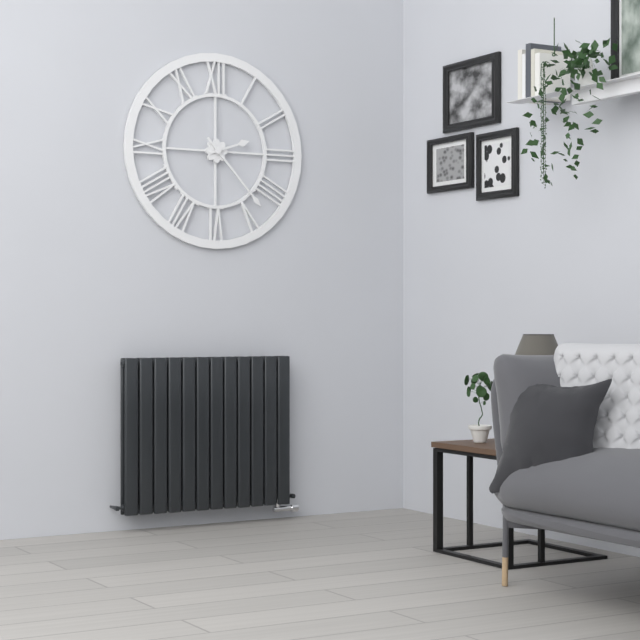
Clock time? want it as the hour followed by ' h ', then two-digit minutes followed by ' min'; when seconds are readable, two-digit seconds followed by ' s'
2 h 23 min
